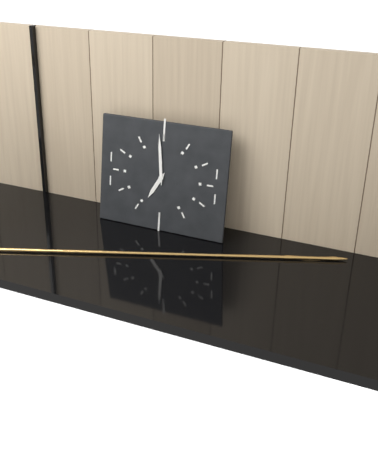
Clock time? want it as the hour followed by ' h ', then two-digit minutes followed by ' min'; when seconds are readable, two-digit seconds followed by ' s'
6 h 59 min
